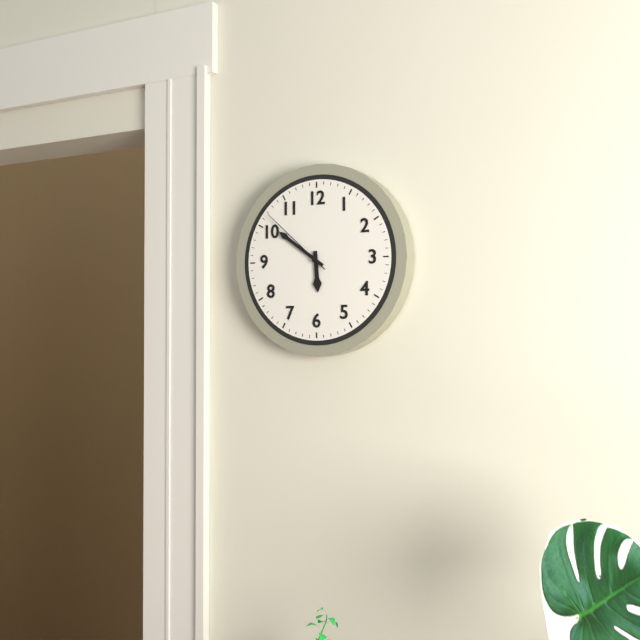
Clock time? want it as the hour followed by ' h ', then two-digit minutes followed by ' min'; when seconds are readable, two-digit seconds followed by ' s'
5 h 51 min 52 s
